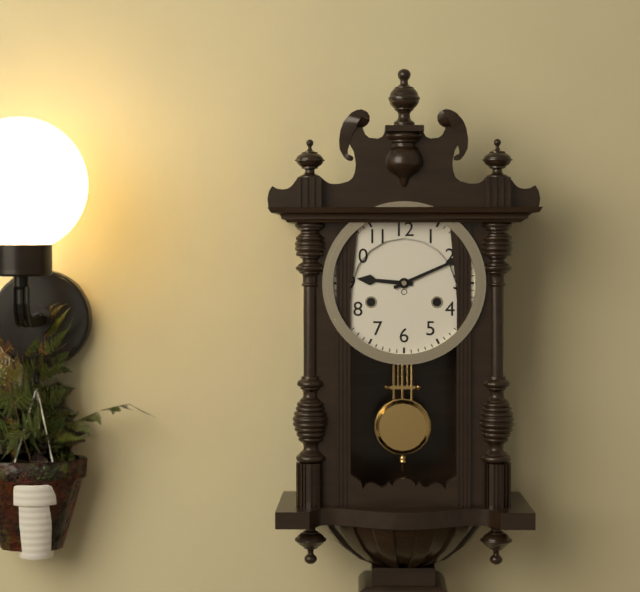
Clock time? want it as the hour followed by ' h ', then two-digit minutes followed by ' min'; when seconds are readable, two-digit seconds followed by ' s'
9 h 11 min
